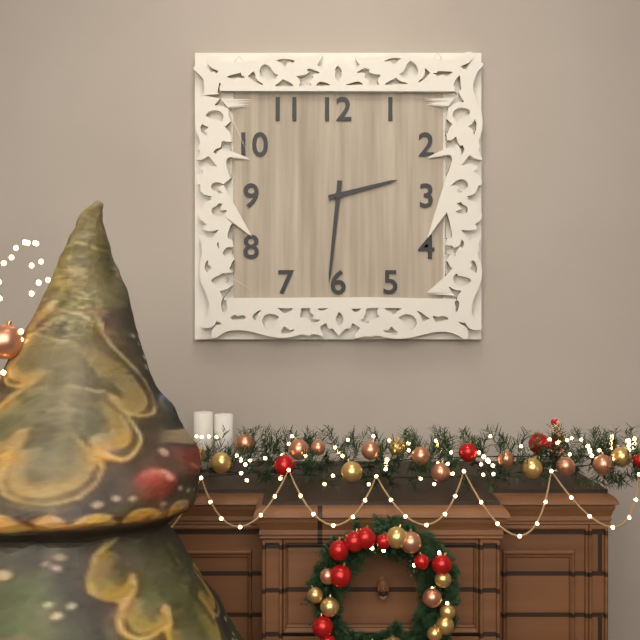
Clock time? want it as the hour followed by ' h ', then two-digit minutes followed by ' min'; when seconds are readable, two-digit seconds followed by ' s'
2 h 31 min
